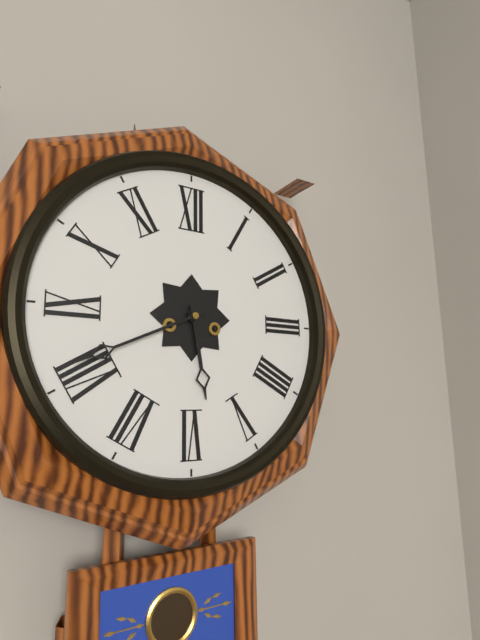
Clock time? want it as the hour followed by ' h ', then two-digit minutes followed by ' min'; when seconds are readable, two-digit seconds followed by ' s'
5 h 41 min
